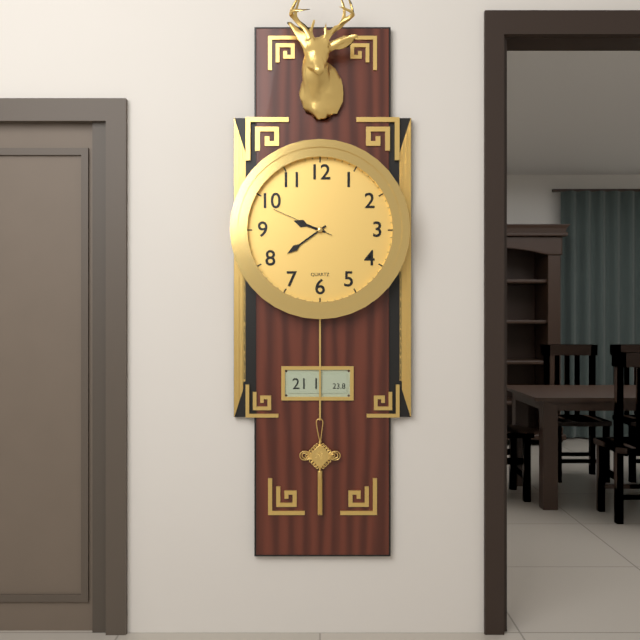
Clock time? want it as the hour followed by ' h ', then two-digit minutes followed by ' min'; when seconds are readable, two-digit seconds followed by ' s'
9 h 39 min 49 s
